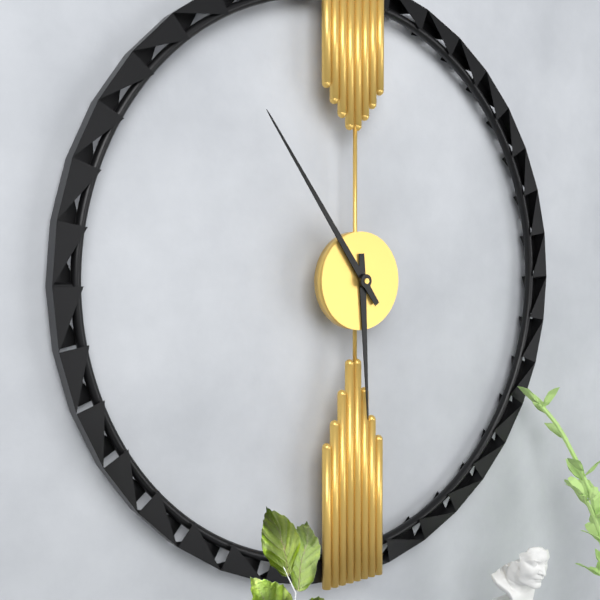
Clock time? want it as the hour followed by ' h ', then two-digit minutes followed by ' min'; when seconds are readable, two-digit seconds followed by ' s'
5 h 54 min
